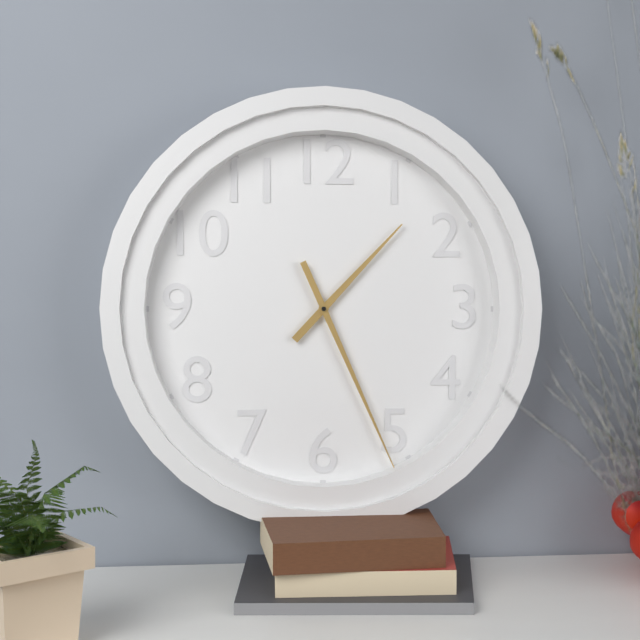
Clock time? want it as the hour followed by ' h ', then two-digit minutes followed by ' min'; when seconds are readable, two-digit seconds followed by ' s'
1 h 26 min
